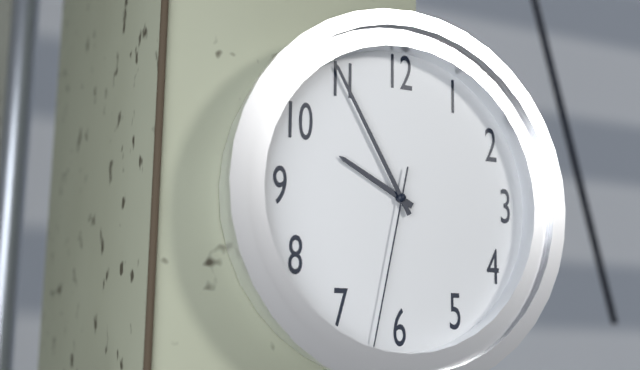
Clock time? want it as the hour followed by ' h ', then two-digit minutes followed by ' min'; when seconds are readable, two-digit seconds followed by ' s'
9 h 55 min 32 s
